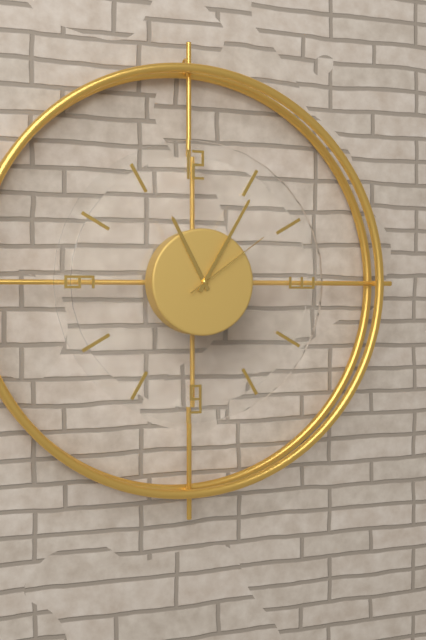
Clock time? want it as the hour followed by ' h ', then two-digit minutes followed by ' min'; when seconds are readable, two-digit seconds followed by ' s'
11 h 05 min 09 s
